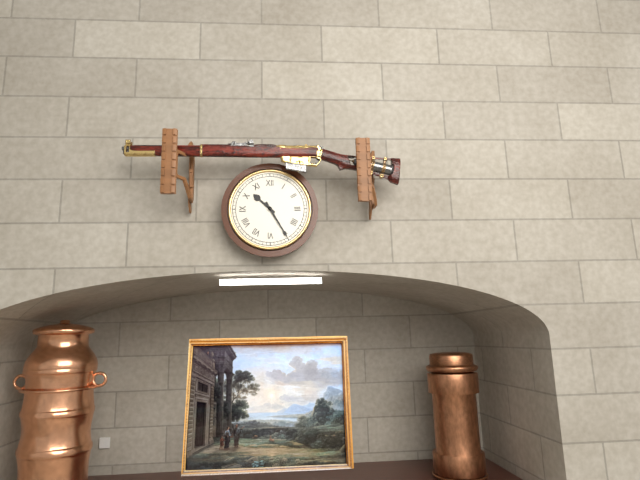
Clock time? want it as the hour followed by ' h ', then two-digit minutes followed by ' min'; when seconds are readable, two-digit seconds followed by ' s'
10 h 25 min
